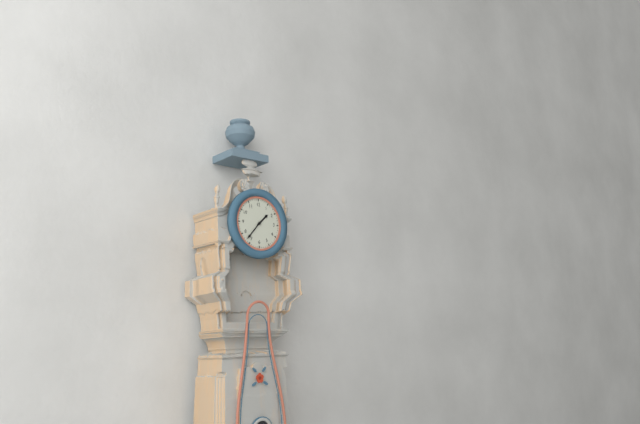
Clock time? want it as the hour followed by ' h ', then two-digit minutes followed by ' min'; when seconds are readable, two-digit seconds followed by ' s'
1 h 37 min
